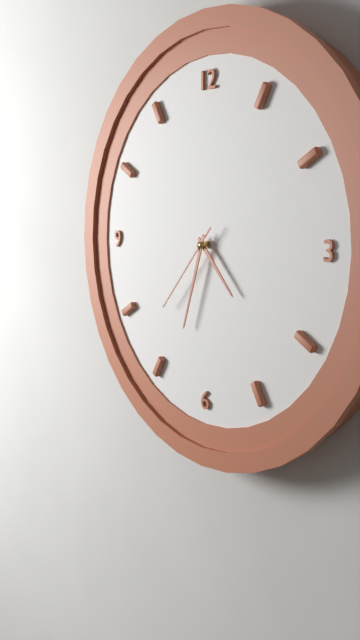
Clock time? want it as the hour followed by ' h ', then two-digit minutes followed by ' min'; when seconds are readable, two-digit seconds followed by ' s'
4 h 33 min 37 s
